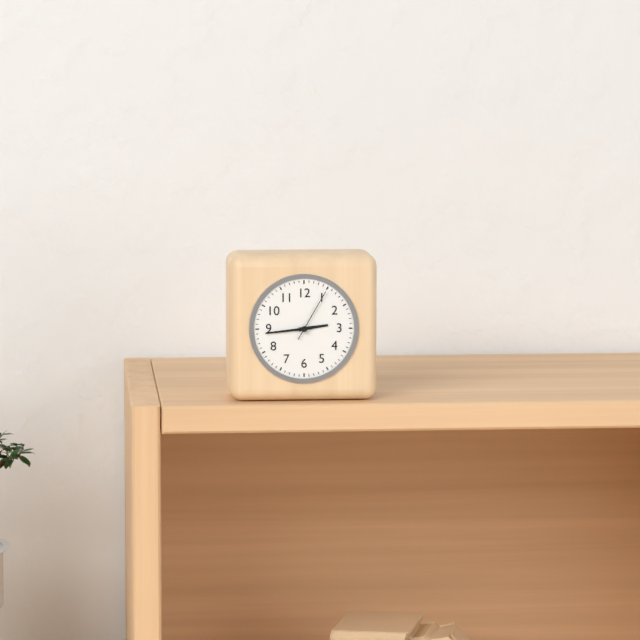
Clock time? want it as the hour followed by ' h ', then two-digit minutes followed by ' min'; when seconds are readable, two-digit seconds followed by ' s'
2 h 44 min 05 s
